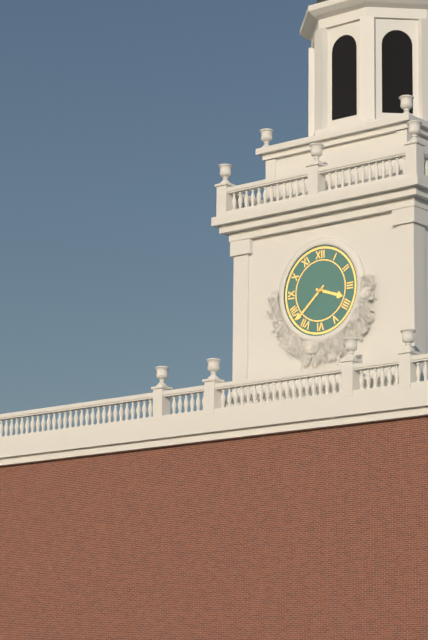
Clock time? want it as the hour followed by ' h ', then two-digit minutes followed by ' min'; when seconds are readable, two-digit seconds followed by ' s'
3 h 38 min
